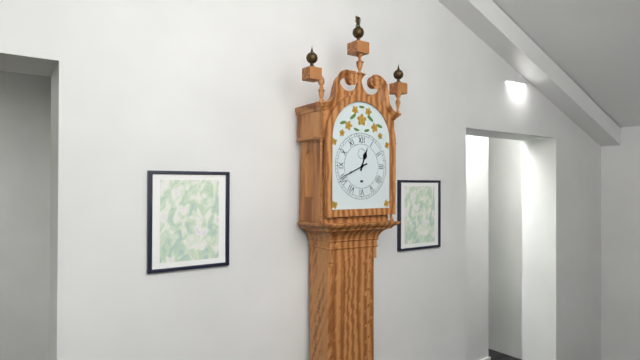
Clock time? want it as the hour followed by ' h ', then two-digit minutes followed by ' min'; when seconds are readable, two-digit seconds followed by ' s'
12 h 41 min
